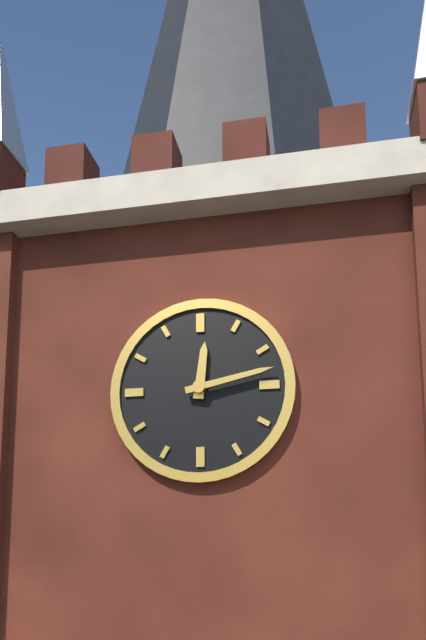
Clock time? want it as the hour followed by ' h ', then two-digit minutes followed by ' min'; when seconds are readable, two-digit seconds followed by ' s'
12 h 13 min
